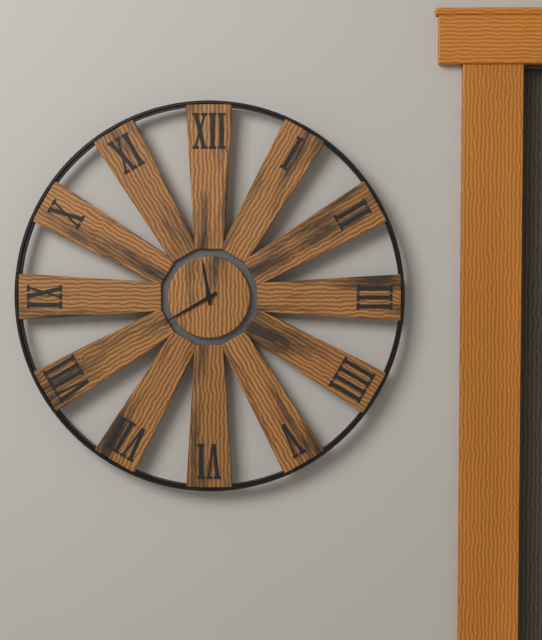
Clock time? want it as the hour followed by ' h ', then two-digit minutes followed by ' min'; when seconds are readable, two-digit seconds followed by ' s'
11 h 40 min
